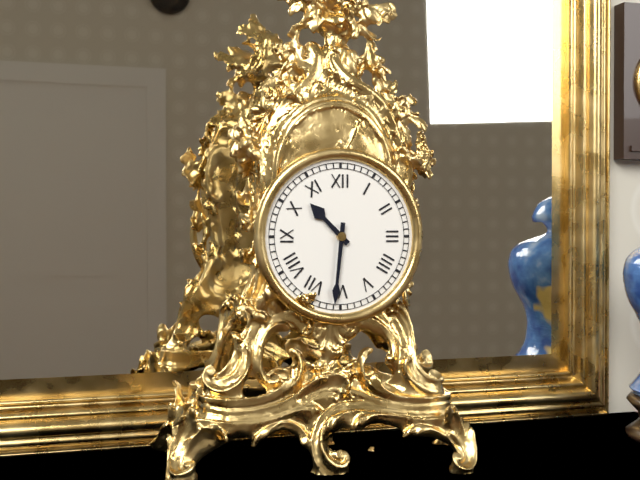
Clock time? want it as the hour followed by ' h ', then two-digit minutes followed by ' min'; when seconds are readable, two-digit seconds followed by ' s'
10 h 31 min
